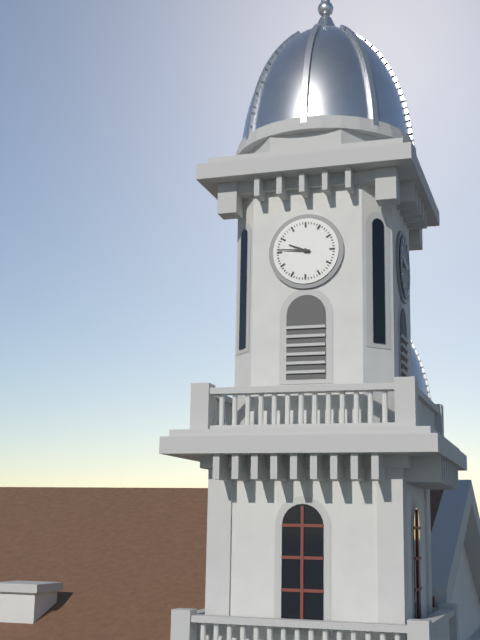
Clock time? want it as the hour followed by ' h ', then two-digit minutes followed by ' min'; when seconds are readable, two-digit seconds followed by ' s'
9 h 46 min
